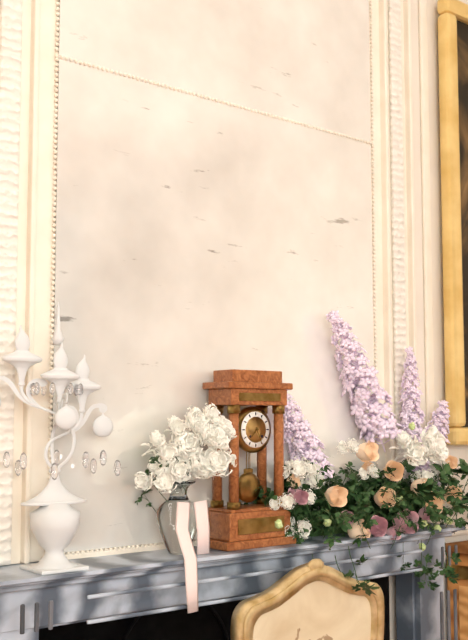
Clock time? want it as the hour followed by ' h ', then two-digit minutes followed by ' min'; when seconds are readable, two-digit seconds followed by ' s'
7 h 26 min
